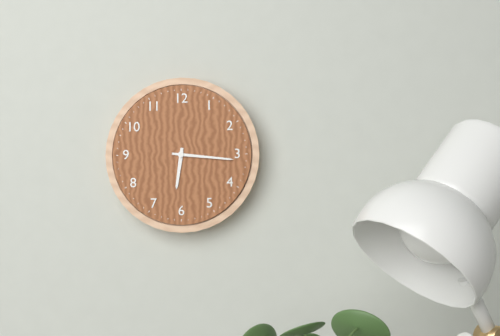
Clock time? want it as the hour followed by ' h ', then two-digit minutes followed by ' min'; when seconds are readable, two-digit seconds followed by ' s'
6 h 16 min
